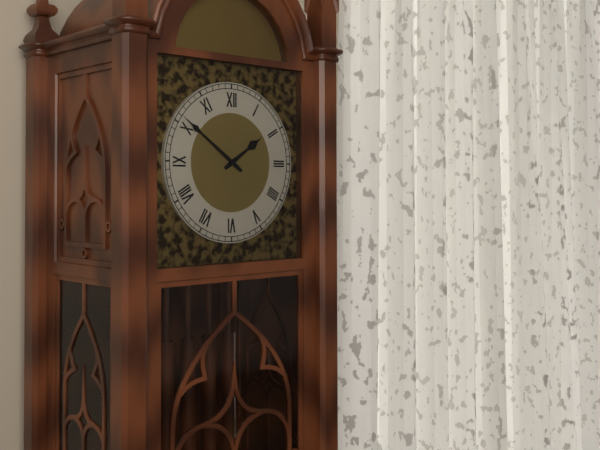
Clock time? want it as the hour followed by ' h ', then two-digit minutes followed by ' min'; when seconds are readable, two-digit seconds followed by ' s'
1 h 51 min
